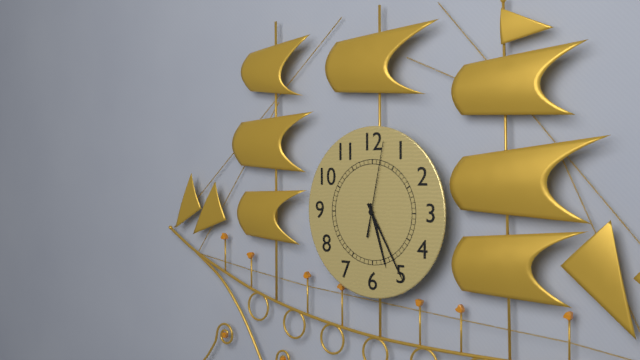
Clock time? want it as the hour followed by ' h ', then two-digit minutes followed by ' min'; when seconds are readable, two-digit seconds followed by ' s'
5 h 25 min 02 s
